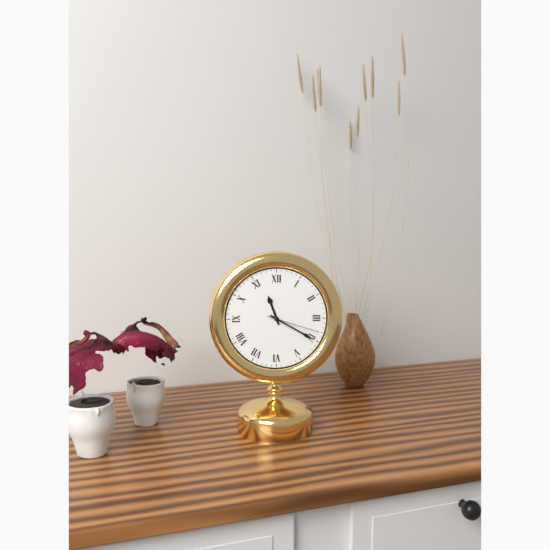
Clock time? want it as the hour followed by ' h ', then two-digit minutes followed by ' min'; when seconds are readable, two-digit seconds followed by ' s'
11 h 20 min 18 s
